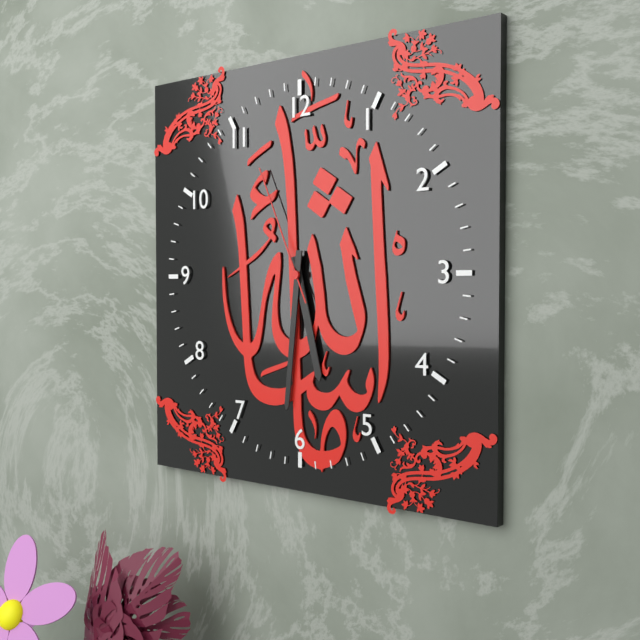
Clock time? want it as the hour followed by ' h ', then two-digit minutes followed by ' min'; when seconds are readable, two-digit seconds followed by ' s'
5 h 31 min 56 s
